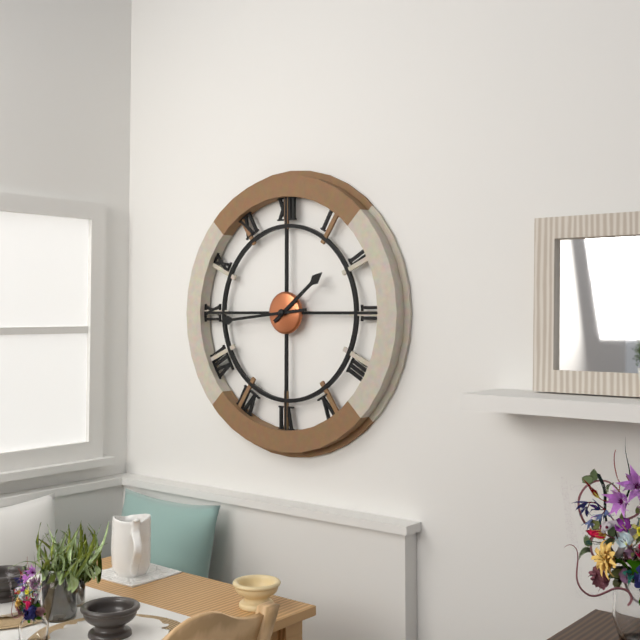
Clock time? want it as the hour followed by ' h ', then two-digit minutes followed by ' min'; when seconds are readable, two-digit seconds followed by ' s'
1 h 44 min
